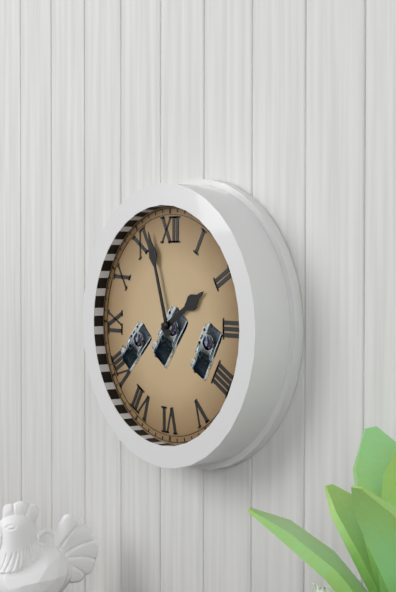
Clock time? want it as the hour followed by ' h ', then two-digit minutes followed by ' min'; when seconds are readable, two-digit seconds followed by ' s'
1 h 57 min
